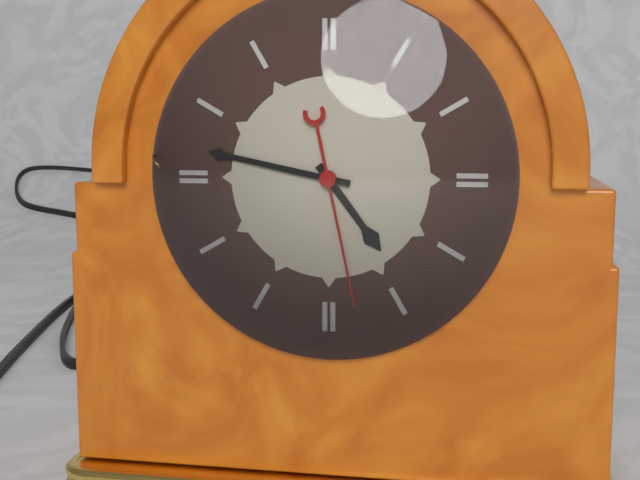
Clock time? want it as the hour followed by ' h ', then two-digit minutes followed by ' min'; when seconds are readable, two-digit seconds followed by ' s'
4 h 47 min 28 s
